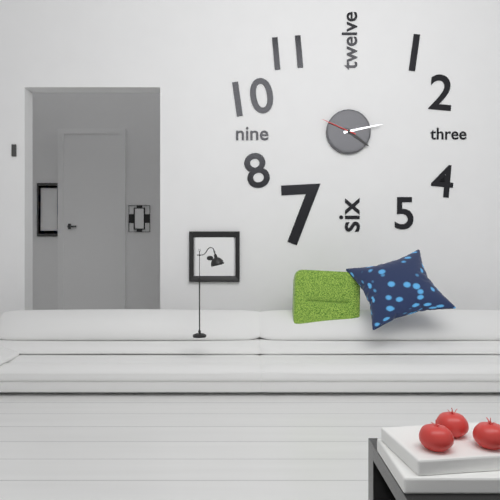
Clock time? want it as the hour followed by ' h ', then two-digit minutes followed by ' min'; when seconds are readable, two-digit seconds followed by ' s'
4 h 13 min
